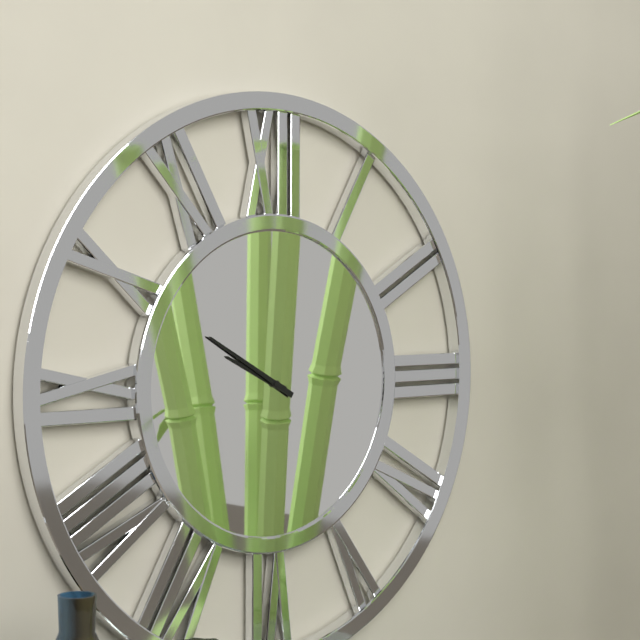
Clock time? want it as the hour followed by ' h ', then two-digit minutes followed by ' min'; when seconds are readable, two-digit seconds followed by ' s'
9 h 50 min
